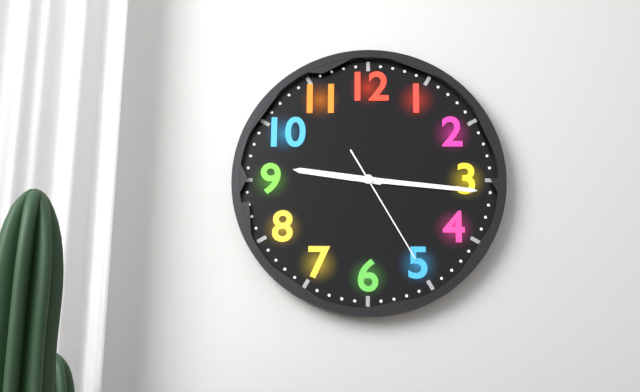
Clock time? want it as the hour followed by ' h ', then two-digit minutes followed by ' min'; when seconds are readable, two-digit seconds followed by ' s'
9 h 16 min 25 s
